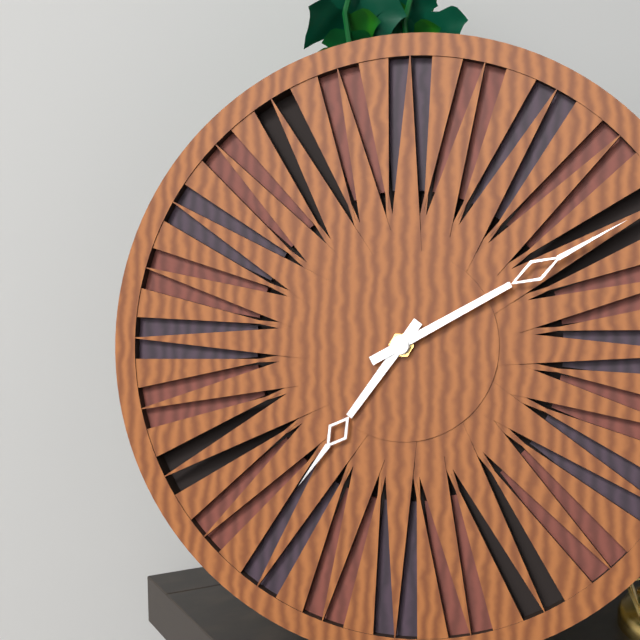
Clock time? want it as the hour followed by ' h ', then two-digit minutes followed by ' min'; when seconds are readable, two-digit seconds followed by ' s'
7 h 10 min
